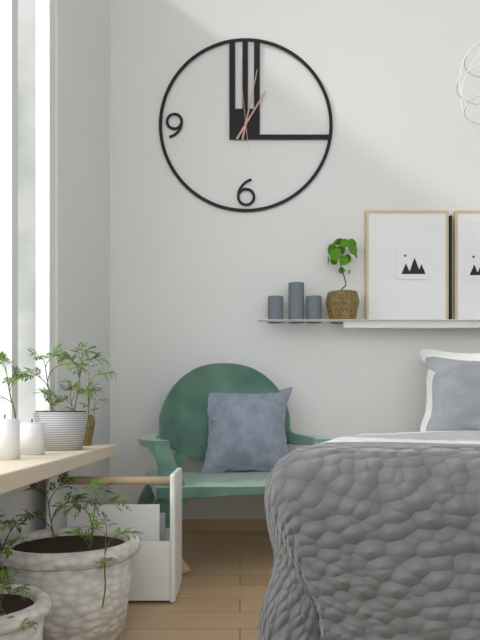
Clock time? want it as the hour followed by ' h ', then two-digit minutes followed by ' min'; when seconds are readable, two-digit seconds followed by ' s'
1 h 02 min 59 s
